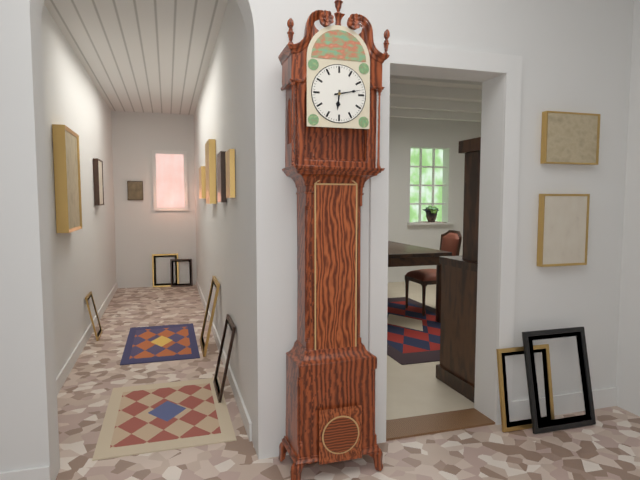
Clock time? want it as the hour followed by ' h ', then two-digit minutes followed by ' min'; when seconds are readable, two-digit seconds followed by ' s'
6 h 13 min
